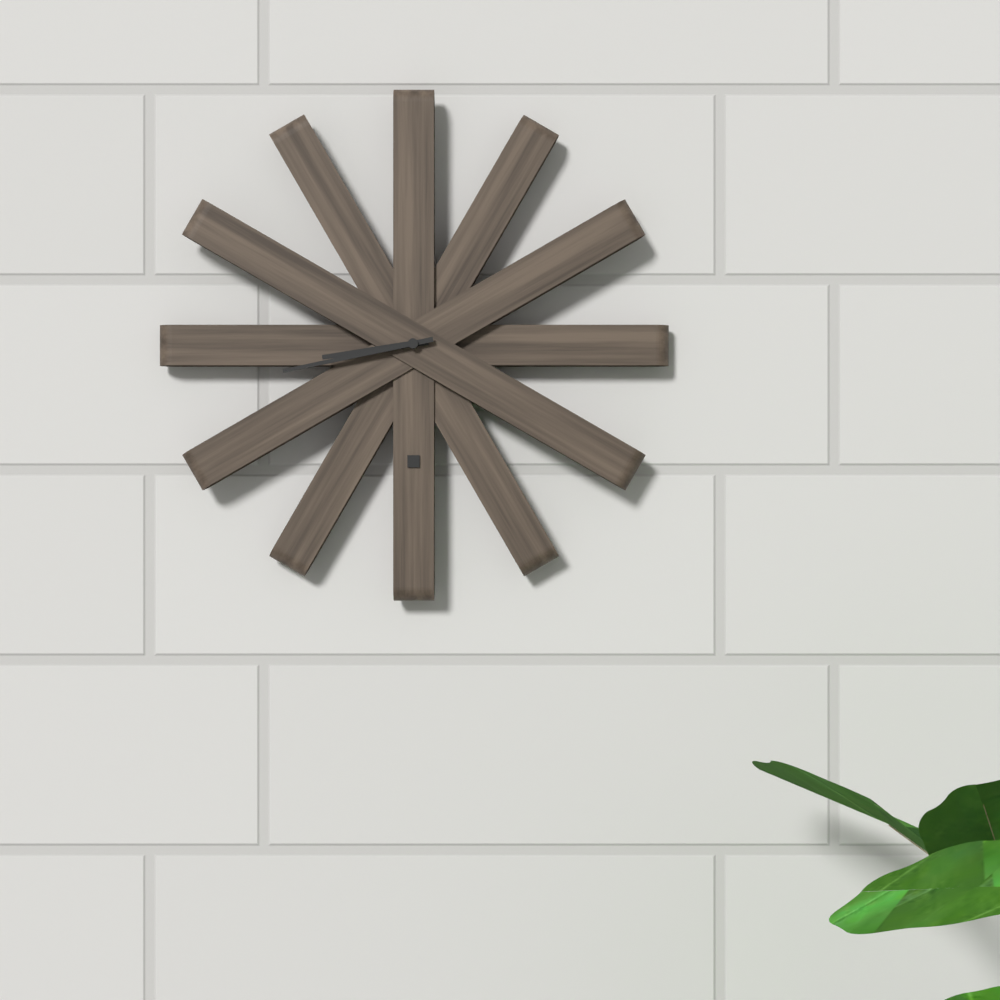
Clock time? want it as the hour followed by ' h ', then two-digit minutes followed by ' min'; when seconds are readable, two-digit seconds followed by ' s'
8 h 43 min
